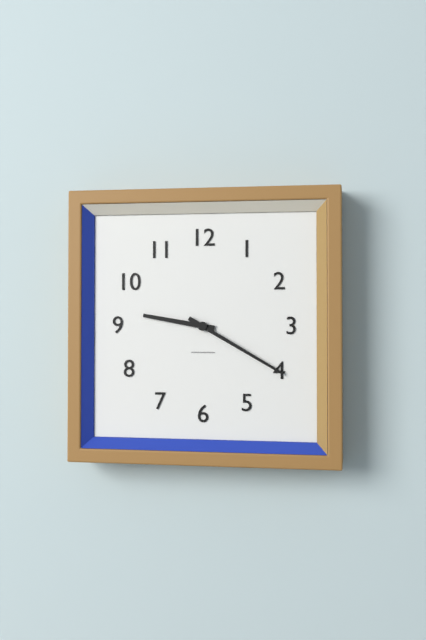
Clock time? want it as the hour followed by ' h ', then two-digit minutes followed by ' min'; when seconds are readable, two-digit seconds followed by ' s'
9 h 20 min
